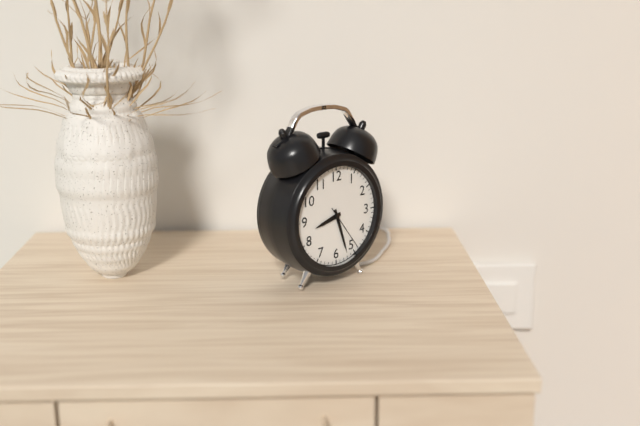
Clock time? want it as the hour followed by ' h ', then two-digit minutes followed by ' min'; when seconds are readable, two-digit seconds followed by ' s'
8 h 27 min
